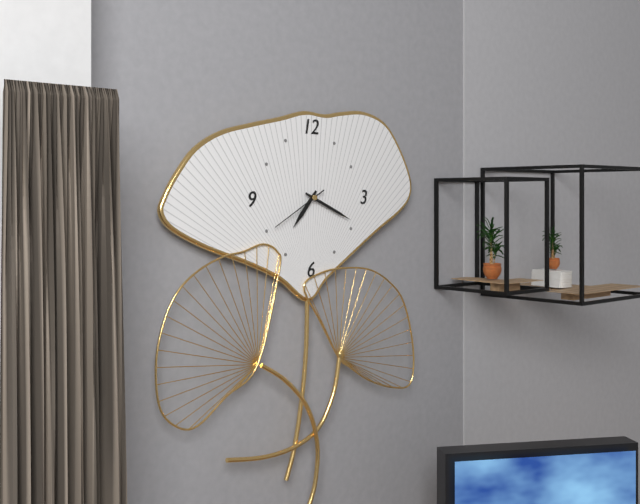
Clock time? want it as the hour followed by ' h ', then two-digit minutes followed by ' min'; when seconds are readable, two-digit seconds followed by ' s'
7 h 19 min 40 s
